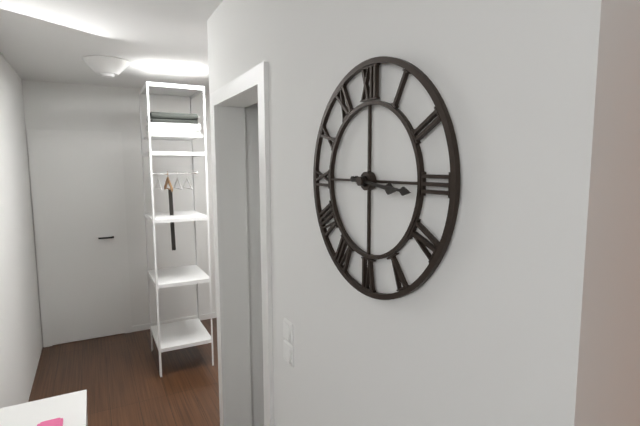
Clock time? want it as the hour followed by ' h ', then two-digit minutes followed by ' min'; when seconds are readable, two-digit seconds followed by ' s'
3 h 16 min
